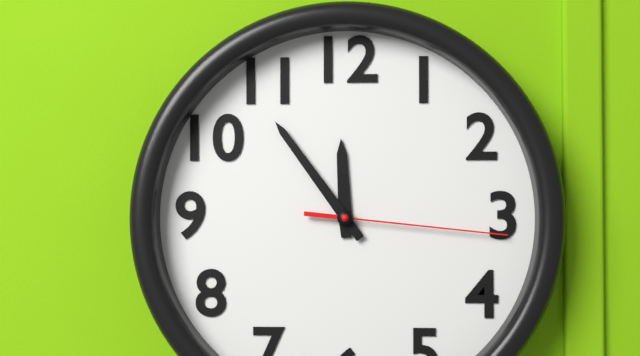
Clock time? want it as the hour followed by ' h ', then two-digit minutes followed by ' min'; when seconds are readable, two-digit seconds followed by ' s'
11 h 54 min 16 s
